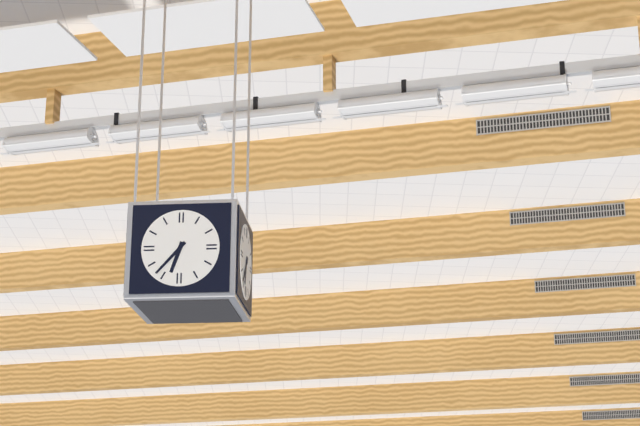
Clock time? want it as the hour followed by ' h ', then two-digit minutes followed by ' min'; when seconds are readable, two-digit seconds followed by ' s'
6 h 37 min
